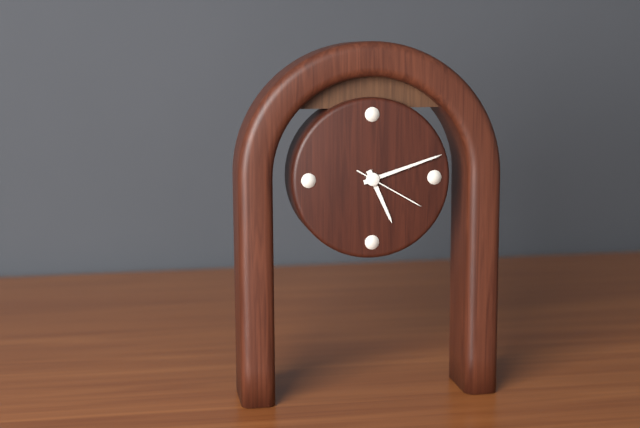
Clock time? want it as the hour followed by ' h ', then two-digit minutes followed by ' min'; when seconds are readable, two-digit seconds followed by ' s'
5 h 12 min 20 s
